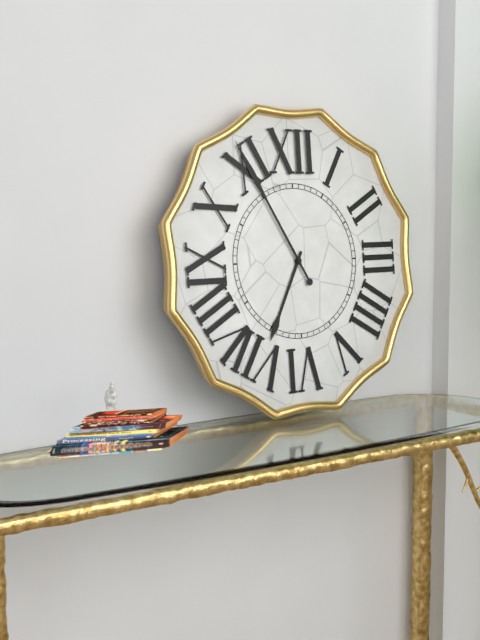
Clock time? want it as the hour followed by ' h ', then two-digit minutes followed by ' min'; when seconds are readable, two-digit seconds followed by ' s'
6 h 55 min
